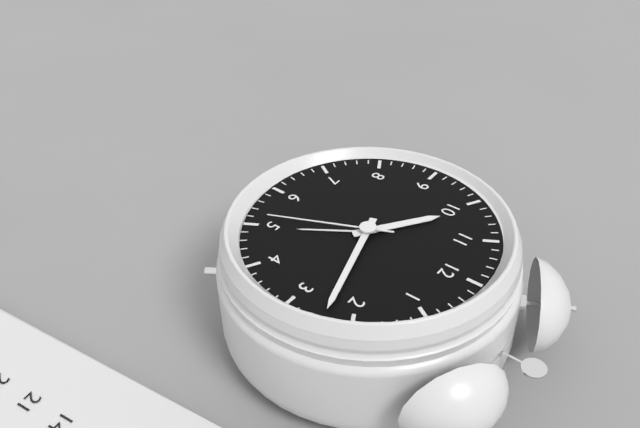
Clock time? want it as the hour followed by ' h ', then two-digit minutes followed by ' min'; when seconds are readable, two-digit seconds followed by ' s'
10 h 12 min 26 s
